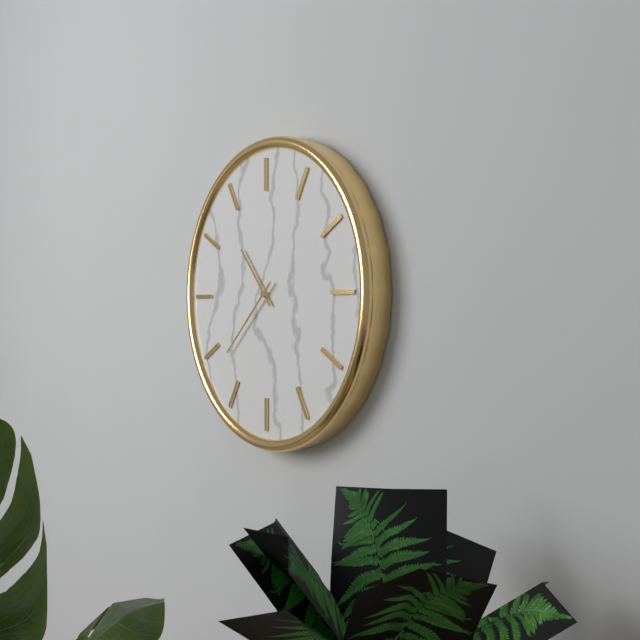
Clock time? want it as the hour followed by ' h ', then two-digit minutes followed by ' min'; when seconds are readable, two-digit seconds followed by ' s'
10 h 38 min
